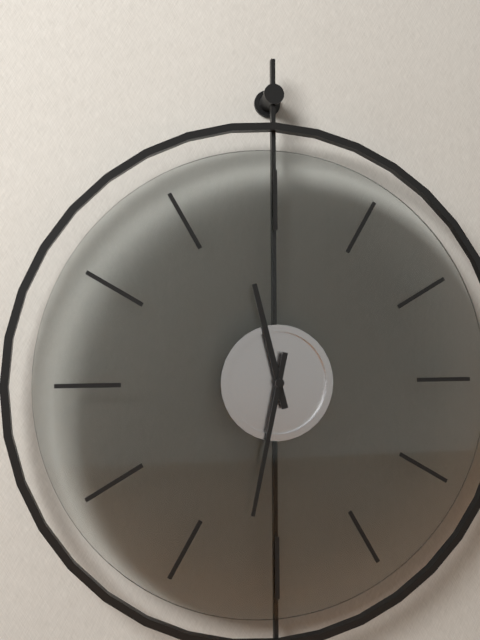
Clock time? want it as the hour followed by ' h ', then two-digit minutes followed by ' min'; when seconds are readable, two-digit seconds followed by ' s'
11 h 32 min
